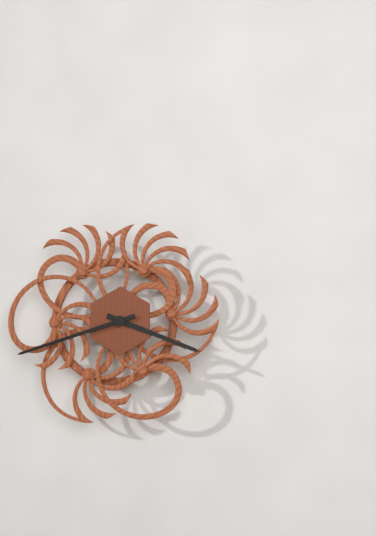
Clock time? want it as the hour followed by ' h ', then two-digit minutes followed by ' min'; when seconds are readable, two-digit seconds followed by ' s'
3 h 42 min
